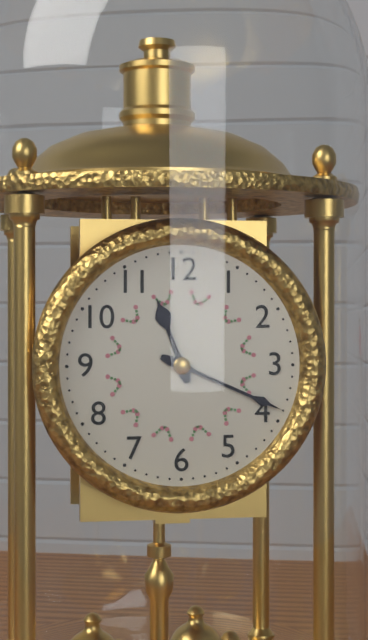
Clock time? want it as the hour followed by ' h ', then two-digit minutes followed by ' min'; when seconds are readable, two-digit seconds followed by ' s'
11 h 19 min
